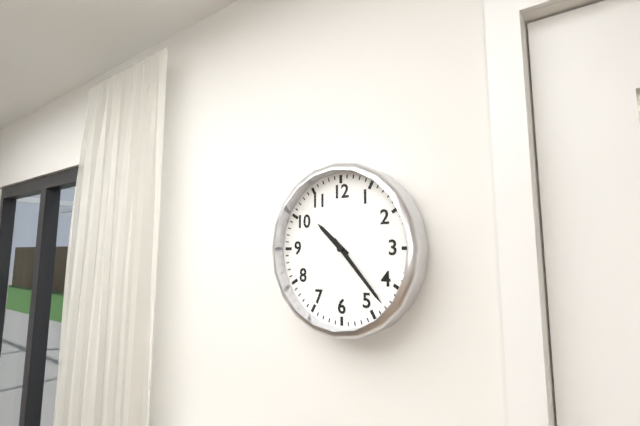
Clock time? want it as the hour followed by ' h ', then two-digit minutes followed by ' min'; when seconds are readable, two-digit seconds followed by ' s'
10 h 23 min
